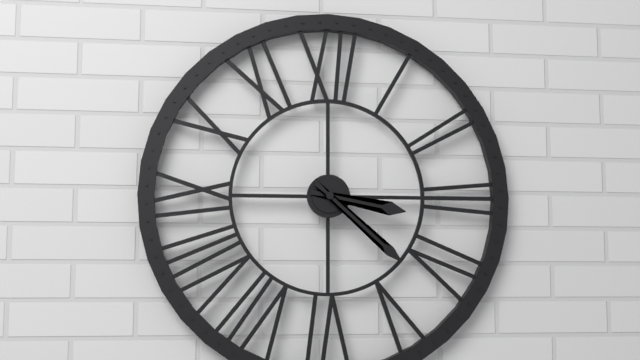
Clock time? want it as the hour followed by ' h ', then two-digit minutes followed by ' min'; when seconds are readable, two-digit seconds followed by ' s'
3 h 22 min
